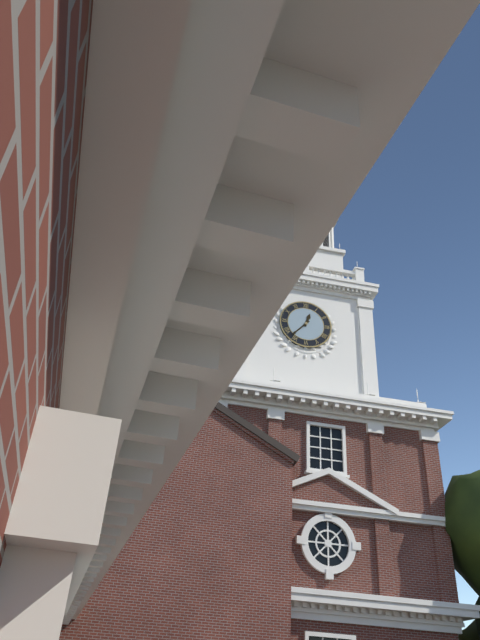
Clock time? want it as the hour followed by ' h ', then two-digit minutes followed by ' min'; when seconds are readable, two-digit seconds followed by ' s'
12 h 37 min
